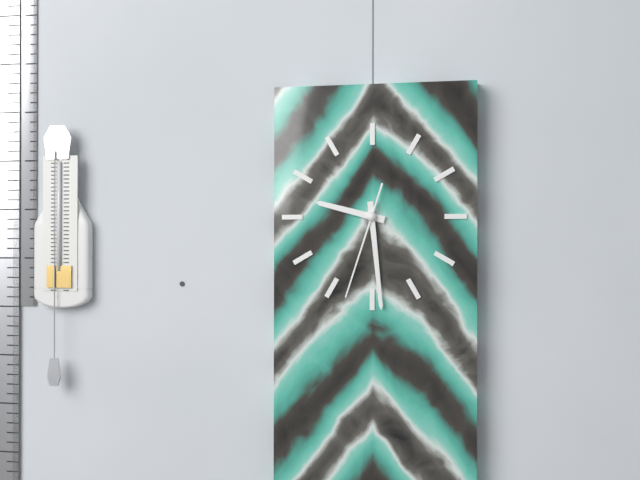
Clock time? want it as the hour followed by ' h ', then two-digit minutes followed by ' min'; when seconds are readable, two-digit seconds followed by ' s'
9 h 29 min 33 s
